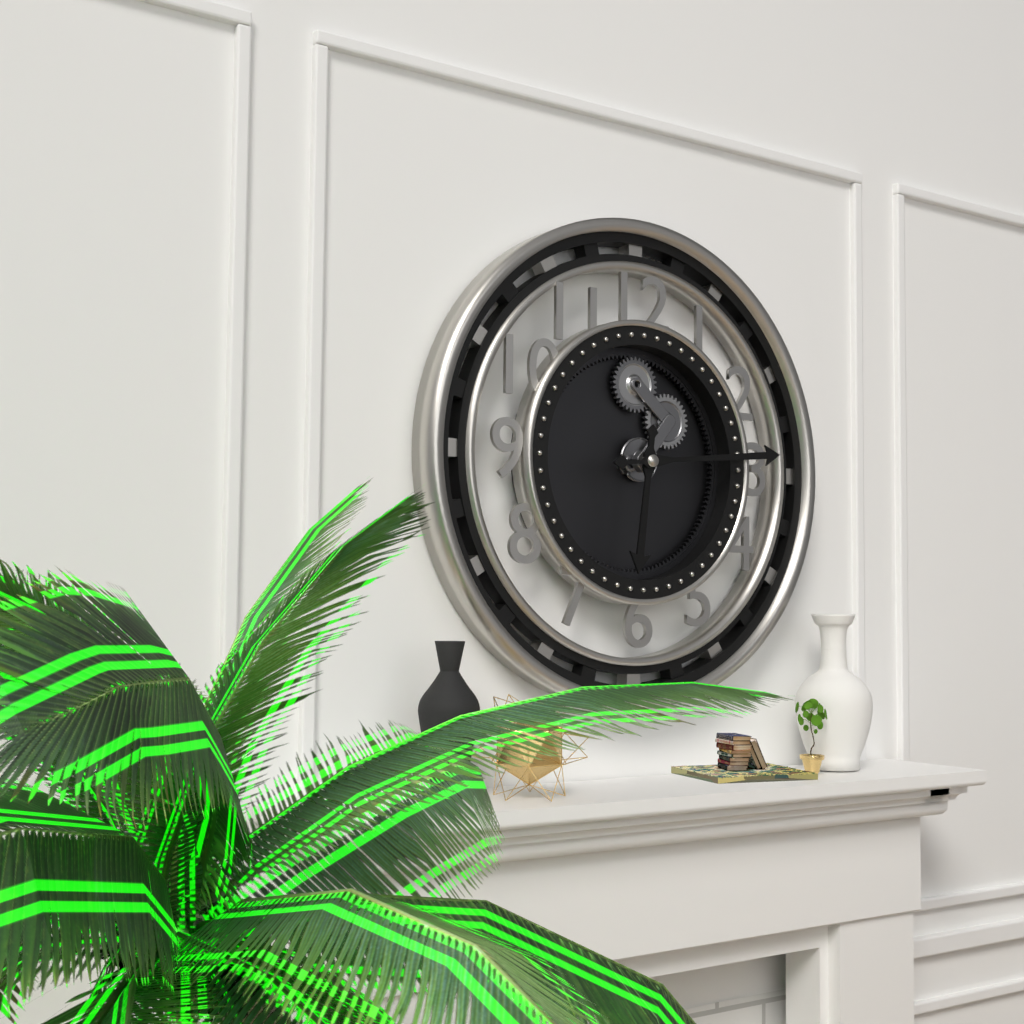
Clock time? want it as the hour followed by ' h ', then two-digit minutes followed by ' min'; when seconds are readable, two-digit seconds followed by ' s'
6 h 14 min
